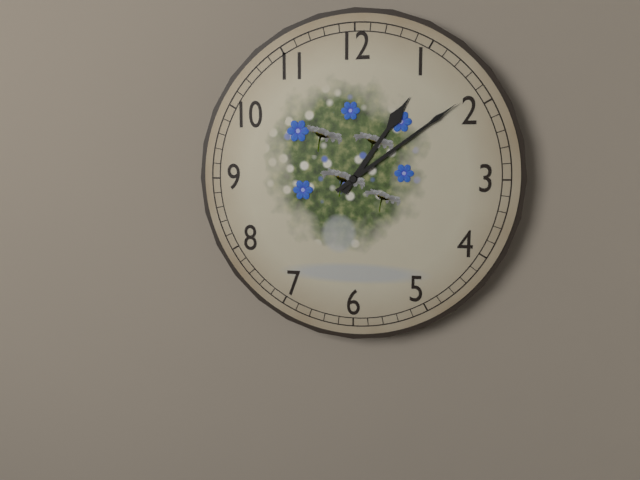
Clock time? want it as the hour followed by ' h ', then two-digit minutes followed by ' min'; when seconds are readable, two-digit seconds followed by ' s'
1 h 09 min
